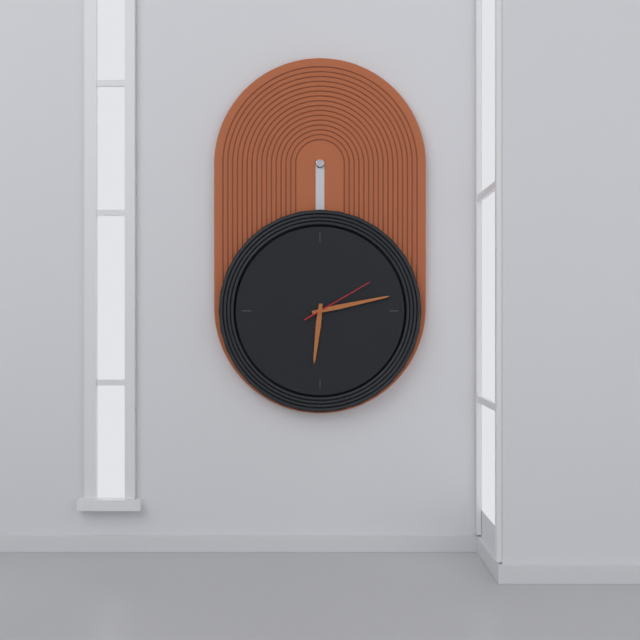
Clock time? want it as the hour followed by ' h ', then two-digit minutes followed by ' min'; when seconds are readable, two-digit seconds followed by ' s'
6 h 13 min 10 s
